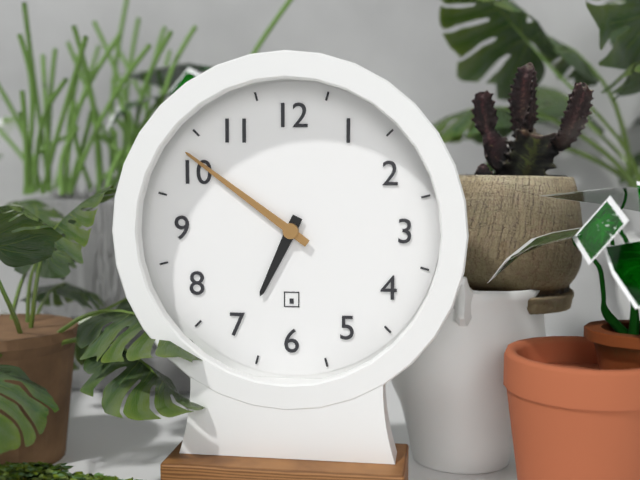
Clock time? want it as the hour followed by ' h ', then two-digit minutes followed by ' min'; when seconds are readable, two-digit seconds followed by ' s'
6 h 51 min
